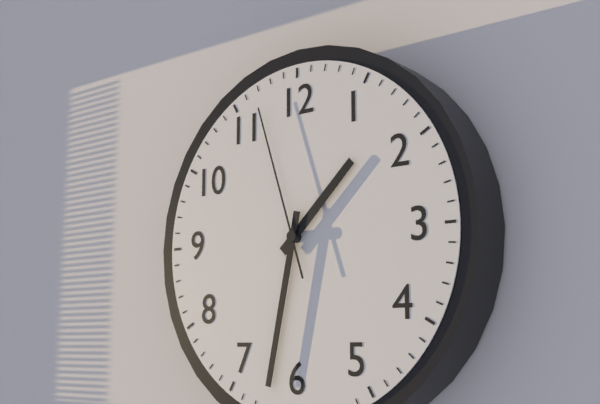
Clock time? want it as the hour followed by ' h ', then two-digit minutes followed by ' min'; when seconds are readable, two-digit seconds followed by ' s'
1 h 32 min 57 s
